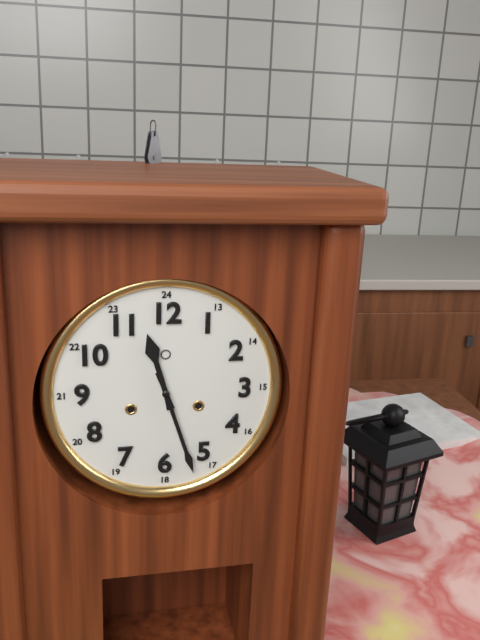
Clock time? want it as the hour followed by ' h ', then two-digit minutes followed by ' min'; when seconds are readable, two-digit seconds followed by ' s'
11 h 27 min
